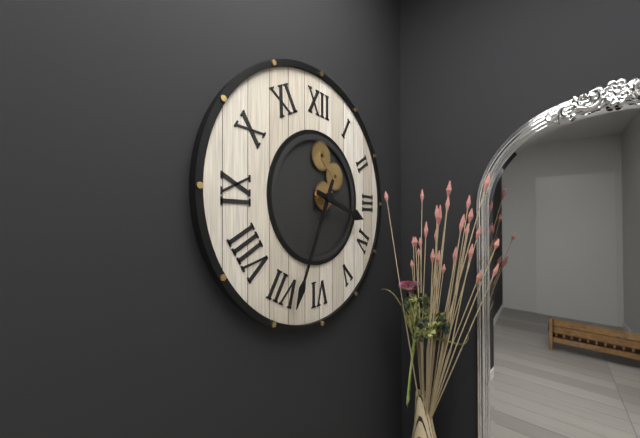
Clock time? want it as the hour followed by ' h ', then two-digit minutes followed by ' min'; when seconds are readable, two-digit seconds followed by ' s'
3 h 34 min
